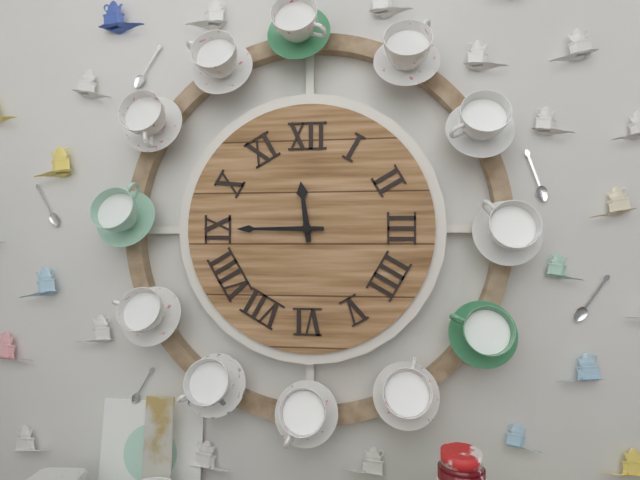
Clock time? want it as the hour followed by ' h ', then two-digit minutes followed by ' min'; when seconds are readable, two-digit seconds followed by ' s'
11 h 45 min
